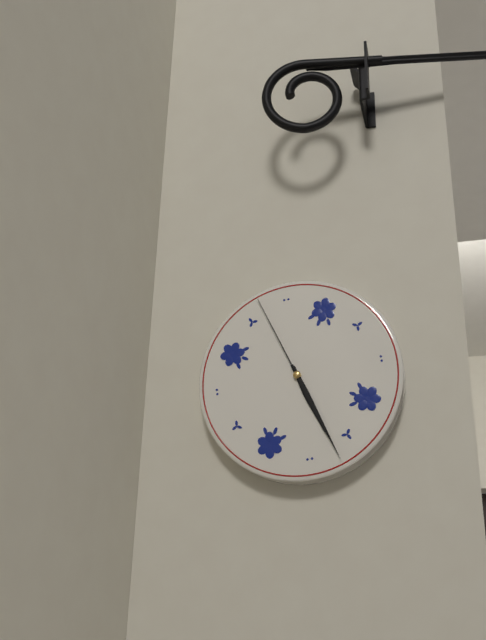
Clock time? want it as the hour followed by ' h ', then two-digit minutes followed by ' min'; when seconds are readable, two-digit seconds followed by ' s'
5 h 27 min 57 s
